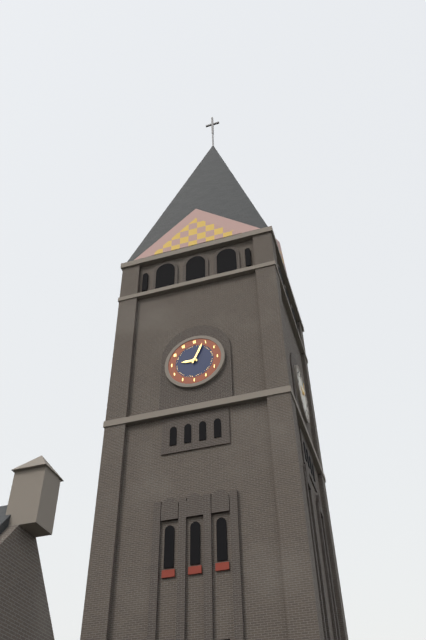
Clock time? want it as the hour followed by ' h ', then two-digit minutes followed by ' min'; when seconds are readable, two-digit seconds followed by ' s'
9 h 04 min
